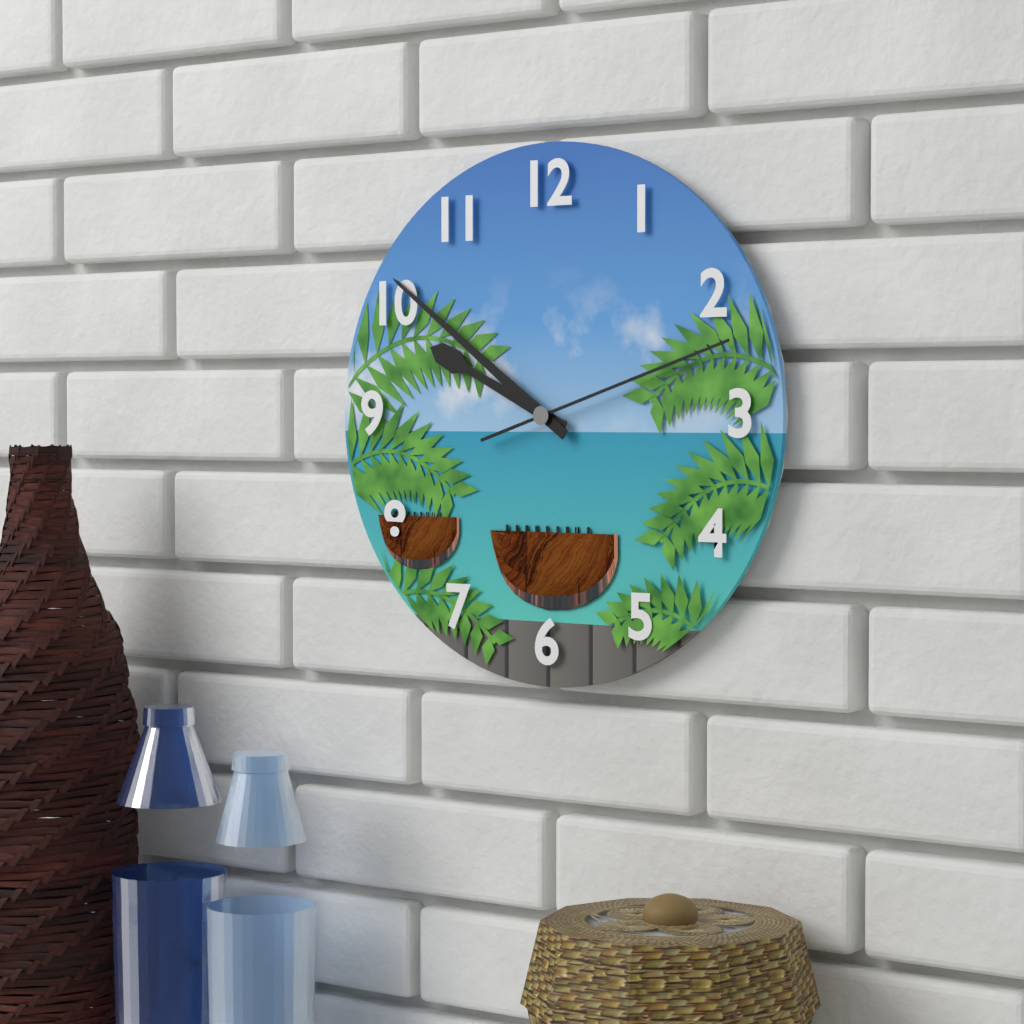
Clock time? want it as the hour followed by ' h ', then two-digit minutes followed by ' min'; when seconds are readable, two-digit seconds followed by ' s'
9 h 51 min 12 s
